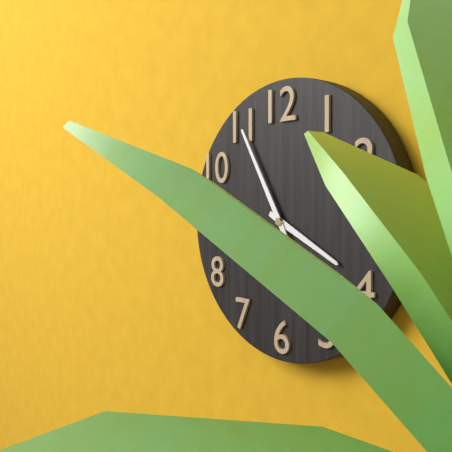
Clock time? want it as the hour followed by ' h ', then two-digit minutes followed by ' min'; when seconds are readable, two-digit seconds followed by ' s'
3 h 55 min
